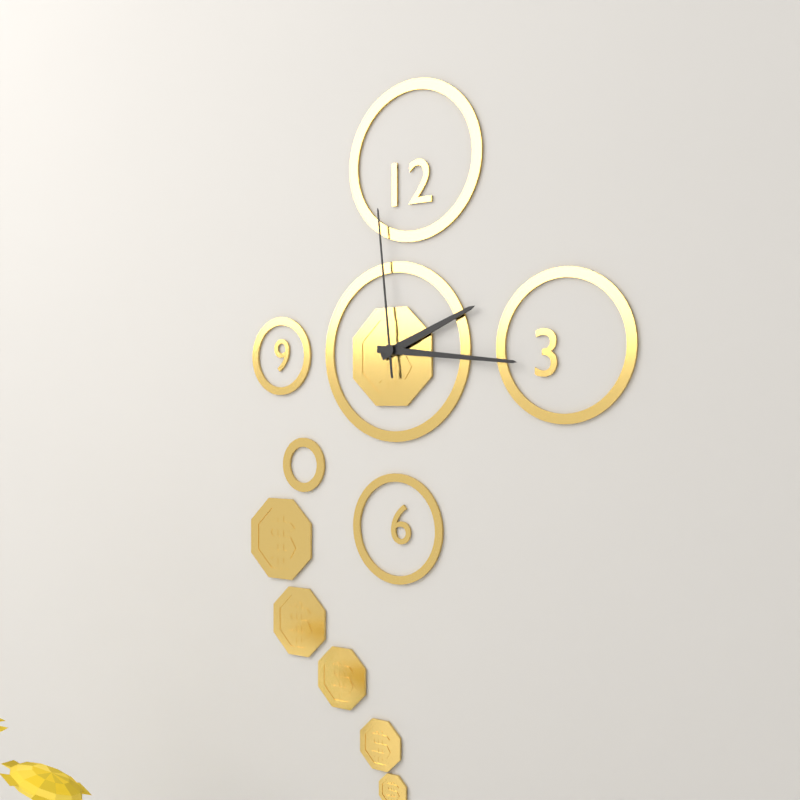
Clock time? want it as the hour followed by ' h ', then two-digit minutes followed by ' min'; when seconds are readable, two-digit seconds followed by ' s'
2 h 16 min 59 s
